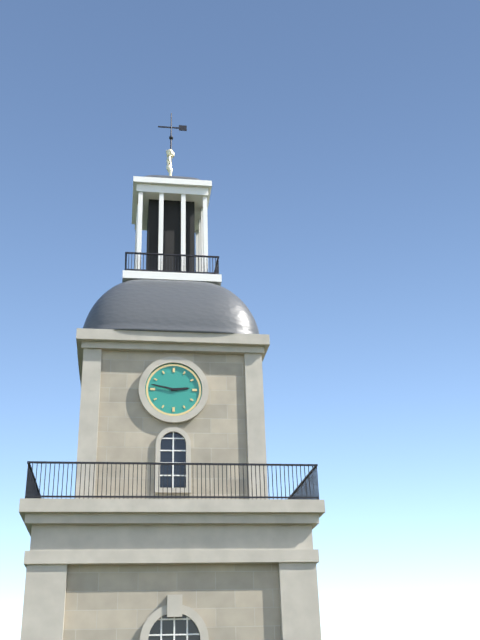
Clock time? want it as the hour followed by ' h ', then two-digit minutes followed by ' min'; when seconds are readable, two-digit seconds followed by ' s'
2 h 47 min
